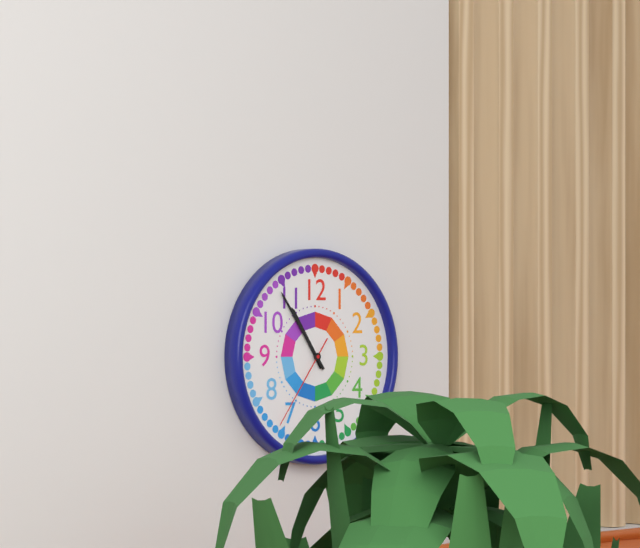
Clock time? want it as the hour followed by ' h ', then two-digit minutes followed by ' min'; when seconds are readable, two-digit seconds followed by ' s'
10 h 54 min 36 s
